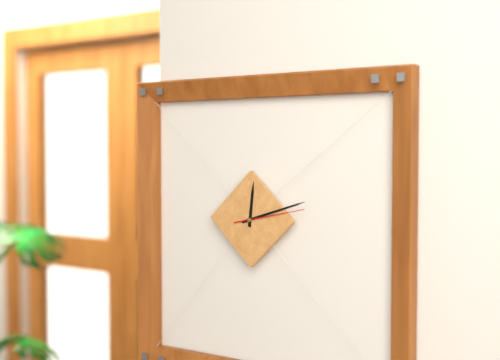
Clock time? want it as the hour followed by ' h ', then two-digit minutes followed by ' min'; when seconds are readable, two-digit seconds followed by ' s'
12 h 12 min 13 s
